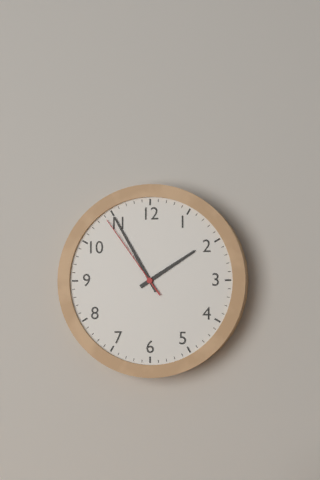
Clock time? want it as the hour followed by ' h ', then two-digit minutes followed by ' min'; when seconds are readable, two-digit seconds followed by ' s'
1 h 55 min 54 s
